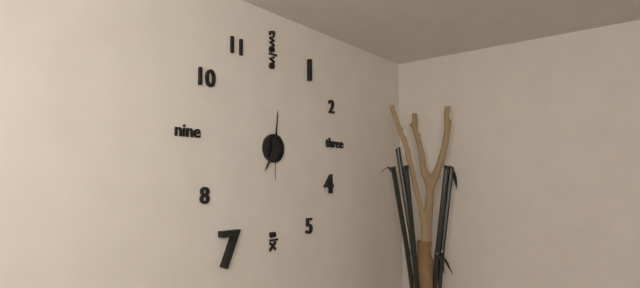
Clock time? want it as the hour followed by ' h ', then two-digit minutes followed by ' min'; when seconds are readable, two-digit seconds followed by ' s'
7 h 01 min
